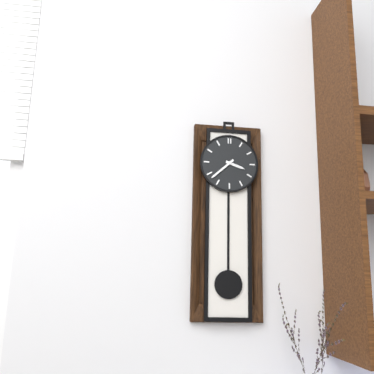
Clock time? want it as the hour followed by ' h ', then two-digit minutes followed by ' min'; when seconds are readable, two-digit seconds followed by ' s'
3 h 38 min
